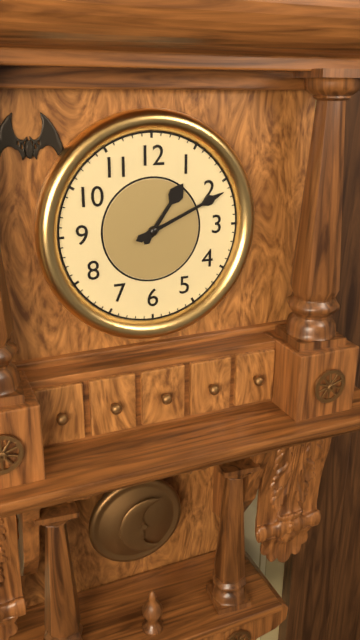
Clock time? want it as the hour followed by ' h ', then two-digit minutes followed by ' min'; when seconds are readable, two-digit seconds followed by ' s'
1 h 11 min
